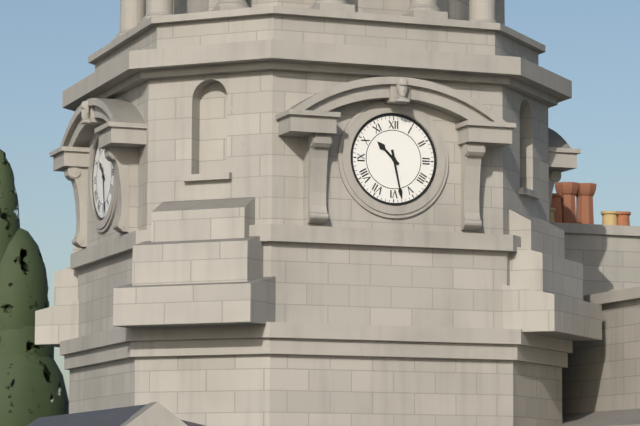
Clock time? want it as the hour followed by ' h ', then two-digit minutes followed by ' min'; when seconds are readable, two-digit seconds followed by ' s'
10 h 28 min
